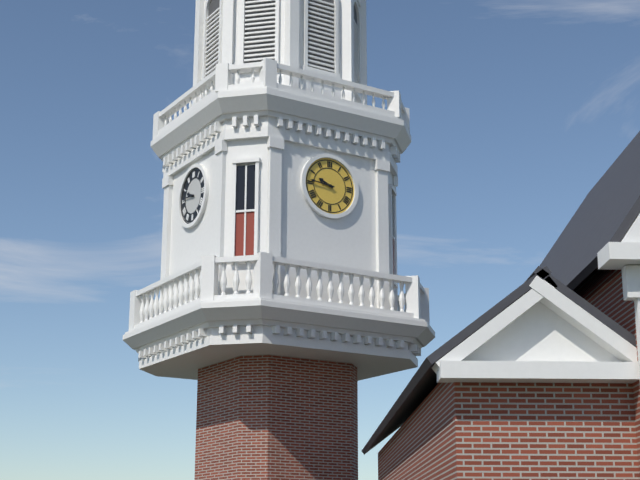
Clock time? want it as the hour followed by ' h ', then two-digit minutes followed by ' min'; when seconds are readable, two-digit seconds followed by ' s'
9 h 46 min
